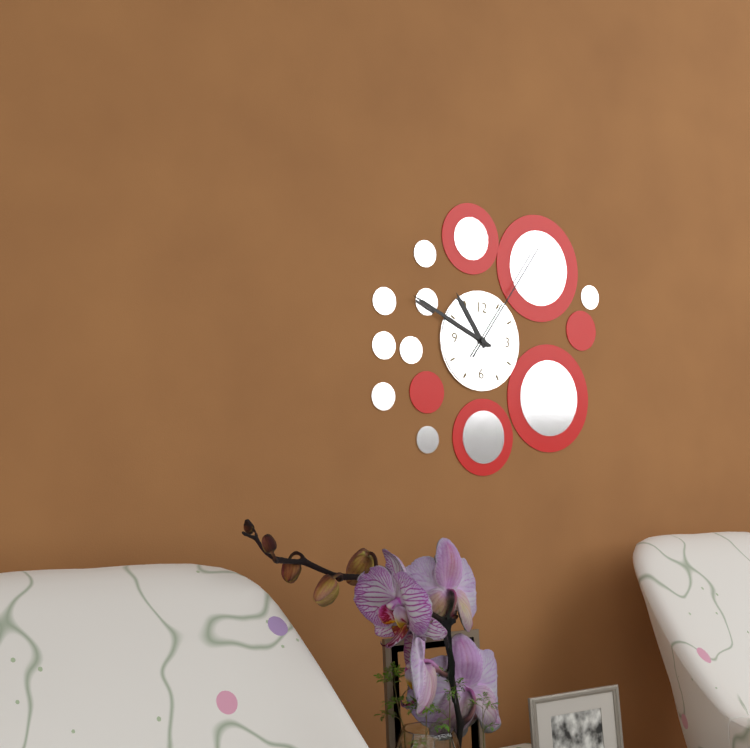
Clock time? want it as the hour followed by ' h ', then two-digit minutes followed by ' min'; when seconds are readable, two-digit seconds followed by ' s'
10 h 49 min 06 s
